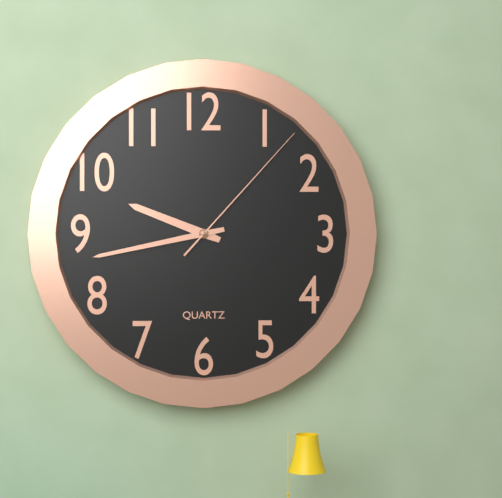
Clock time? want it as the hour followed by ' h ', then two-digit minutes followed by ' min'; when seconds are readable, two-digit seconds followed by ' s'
9 h 43 min 07 s
